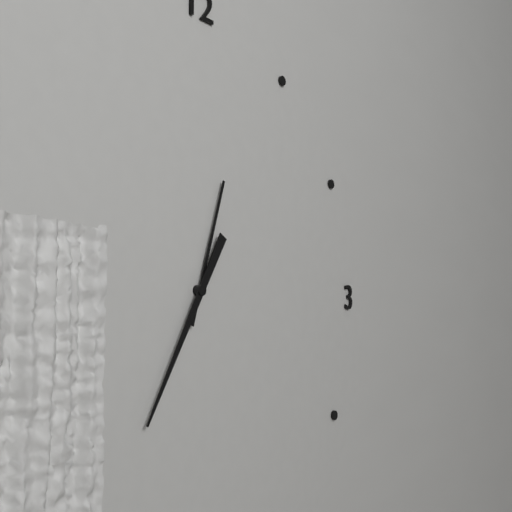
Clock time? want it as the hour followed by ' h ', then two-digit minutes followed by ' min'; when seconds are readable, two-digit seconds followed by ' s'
12 h 35 min
